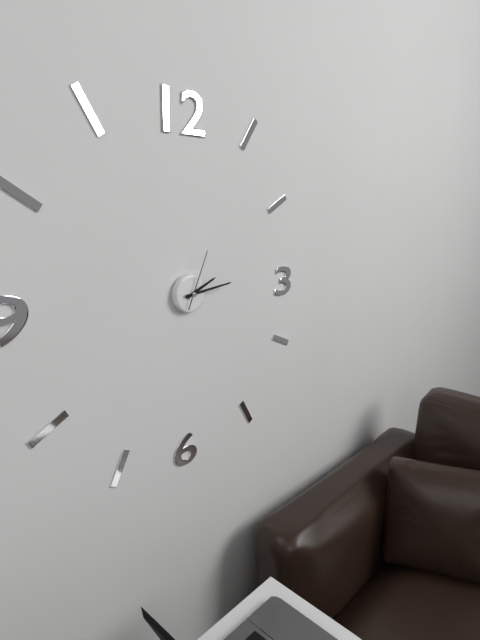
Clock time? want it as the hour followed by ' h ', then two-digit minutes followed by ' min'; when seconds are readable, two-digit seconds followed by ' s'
2 h 14 min 04 s
